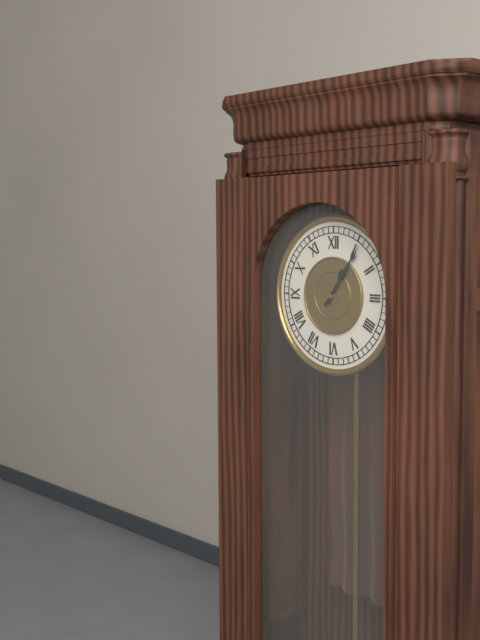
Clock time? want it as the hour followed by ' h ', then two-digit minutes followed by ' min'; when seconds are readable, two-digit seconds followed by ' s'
1 h 06 min
